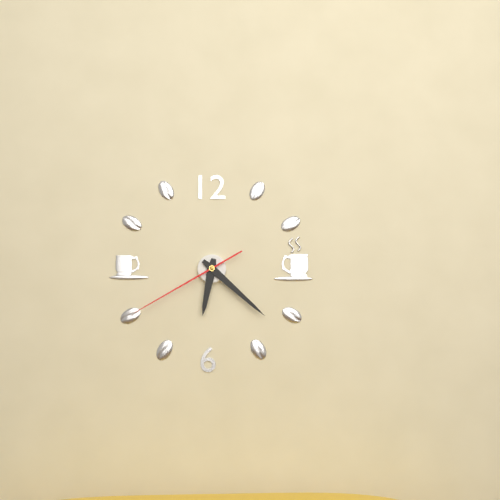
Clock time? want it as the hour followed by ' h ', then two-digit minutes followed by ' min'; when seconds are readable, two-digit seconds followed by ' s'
6 h 22 min 40 s
